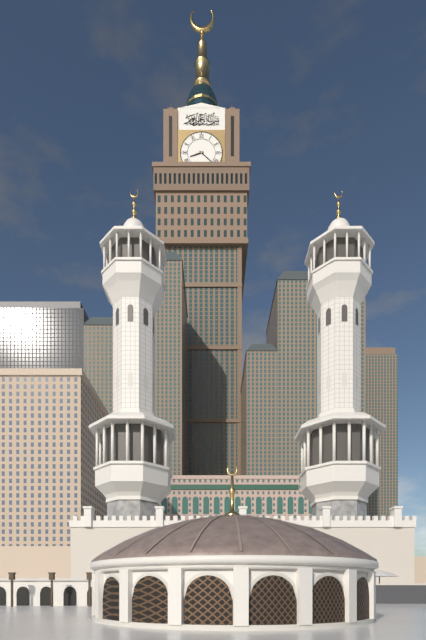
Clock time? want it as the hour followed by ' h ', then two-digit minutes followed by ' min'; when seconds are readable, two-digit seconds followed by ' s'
8 h 22 min
